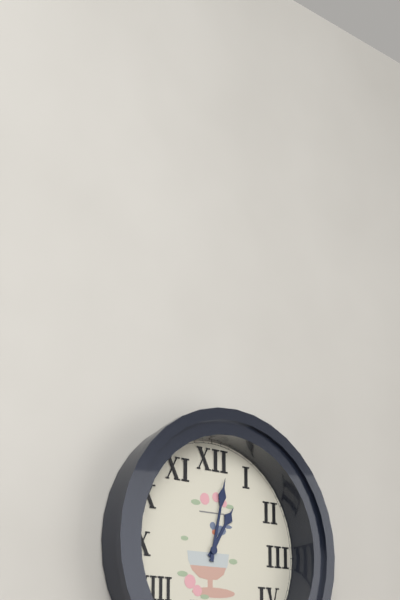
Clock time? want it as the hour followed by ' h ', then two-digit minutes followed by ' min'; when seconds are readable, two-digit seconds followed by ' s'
1 h 02 min
